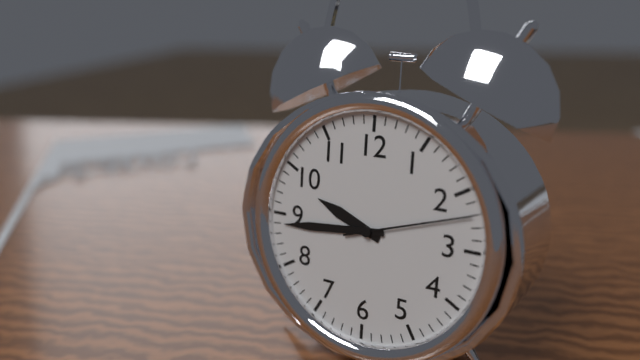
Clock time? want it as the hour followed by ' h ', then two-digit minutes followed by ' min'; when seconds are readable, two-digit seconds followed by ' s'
9 h 44 min 12 s
